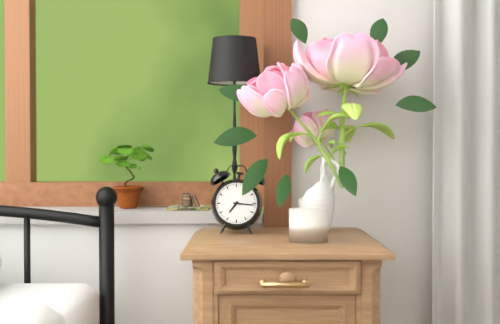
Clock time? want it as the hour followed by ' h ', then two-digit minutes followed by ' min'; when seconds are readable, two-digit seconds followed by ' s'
7 h 16 min
